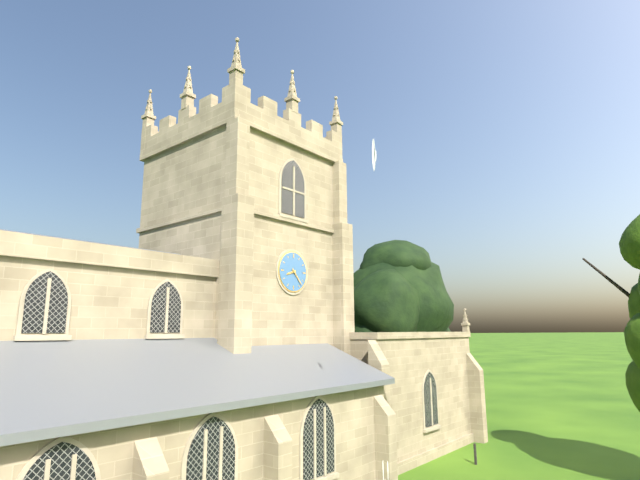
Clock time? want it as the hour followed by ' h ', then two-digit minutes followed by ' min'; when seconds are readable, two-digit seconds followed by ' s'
8 h 23 min
